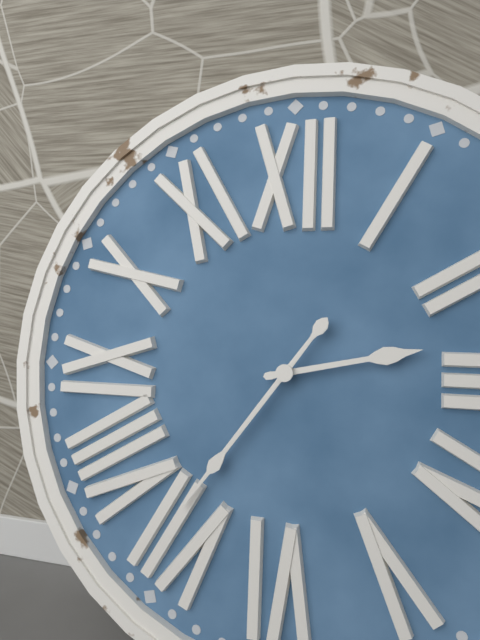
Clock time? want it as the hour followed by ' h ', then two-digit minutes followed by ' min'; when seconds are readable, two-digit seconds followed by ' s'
2 h 36 min
